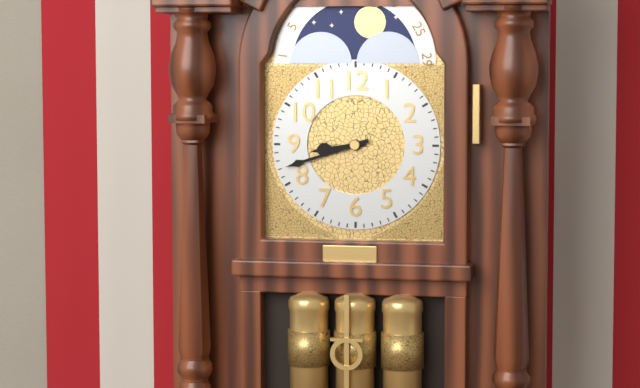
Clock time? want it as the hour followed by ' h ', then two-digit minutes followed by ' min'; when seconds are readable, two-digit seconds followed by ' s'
8 h 42 min
